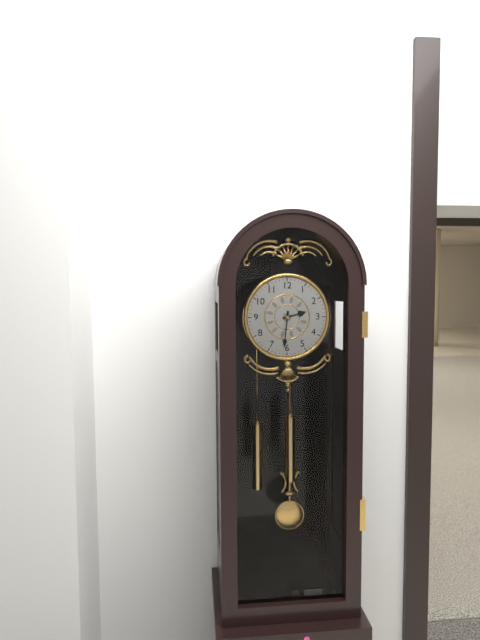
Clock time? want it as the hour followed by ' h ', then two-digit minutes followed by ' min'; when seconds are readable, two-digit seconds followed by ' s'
2 h 31 min
